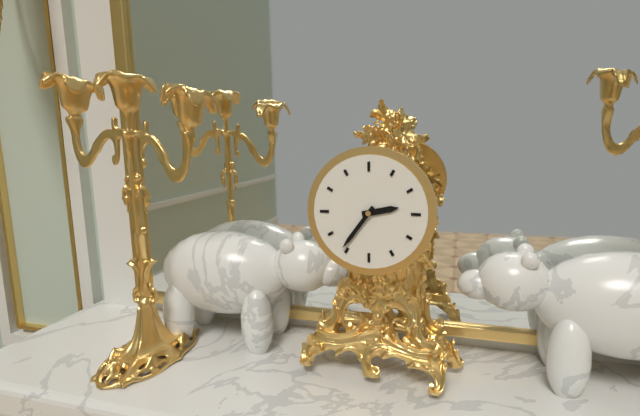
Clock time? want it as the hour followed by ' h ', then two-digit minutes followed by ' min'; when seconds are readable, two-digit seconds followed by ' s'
2 h 36 min
